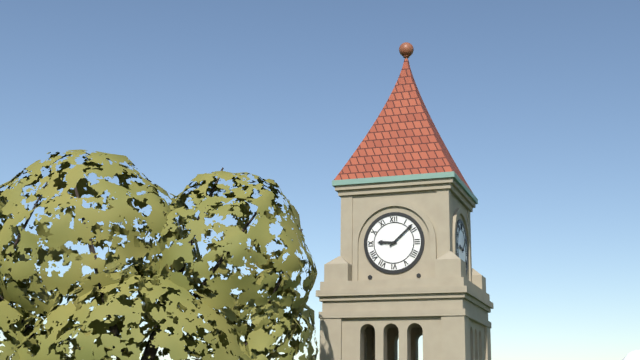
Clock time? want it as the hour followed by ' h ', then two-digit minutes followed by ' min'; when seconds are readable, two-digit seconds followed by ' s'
9 h 08 min
